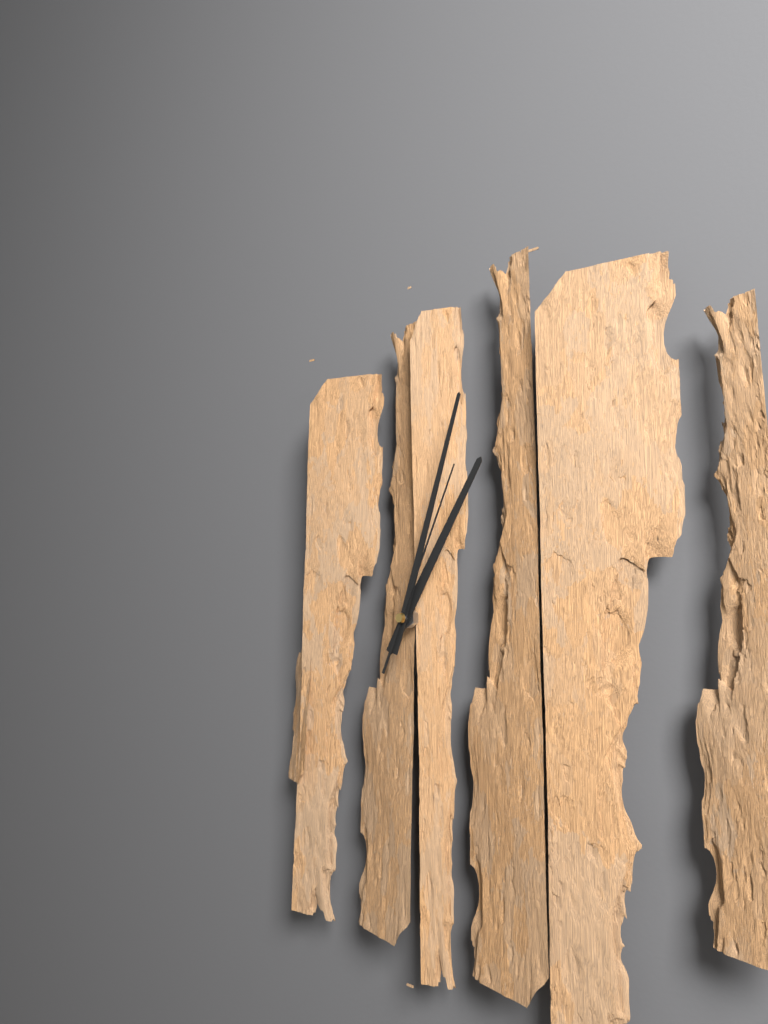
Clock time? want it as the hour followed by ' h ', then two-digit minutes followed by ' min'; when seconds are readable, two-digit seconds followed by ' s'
1 h 03 min 04 s
